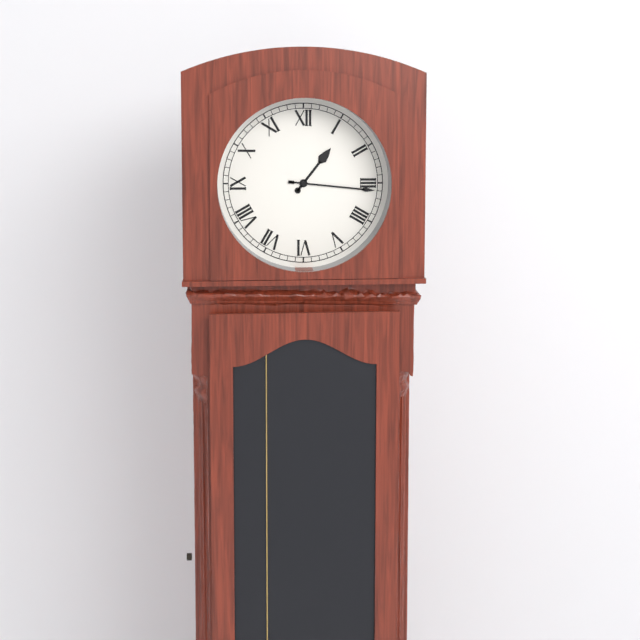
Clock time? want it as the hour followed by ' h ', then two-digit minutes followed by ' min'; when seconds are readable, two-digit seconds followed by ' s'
1 h 16 min
